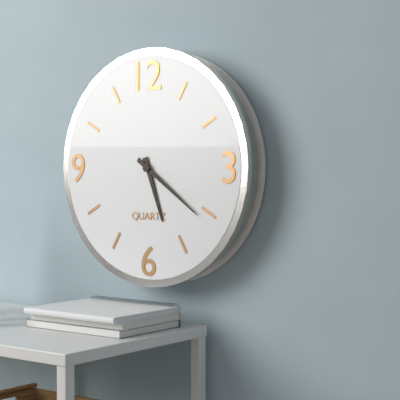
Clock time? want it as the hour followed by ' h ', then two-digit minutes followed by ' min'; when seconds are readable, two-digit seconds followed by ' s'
5 h 21 min
